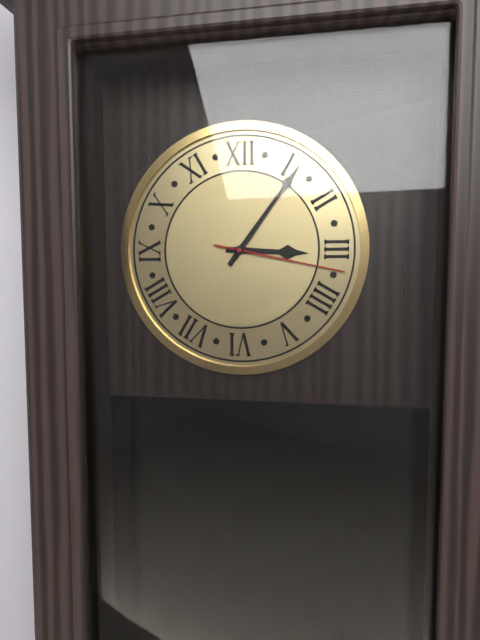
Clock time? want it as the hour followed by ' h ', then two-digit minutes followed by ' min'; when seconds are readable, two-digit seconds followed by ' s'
3 h 06 min 17 s
